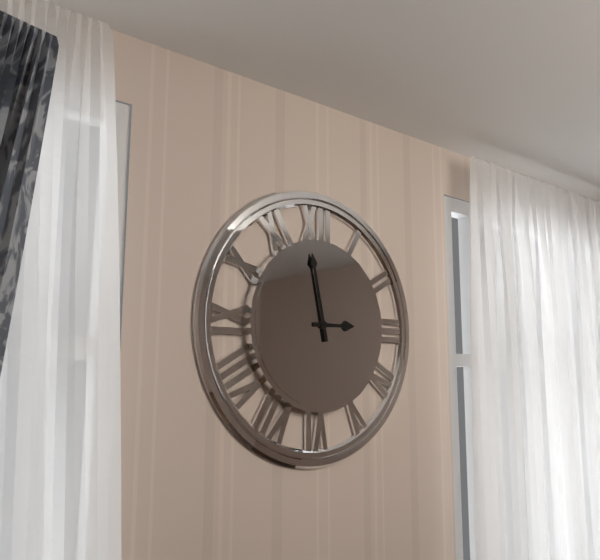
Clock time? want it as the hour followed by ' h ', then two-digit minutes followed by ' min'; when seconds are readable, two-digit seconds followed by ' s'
2 h 58 min
